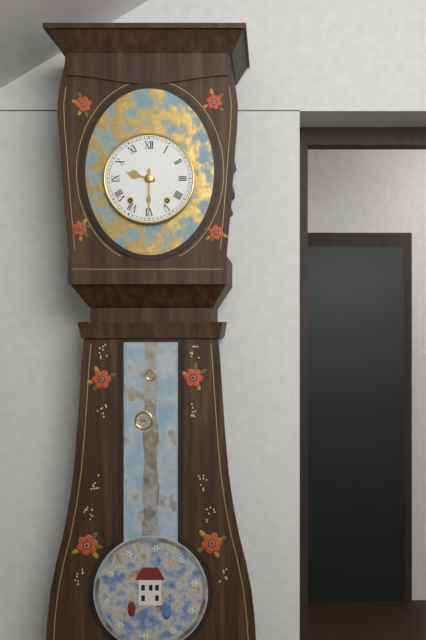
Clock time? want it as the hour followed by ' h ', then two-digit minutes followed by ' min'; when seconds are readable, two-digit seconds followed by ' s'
9 h 30 min
